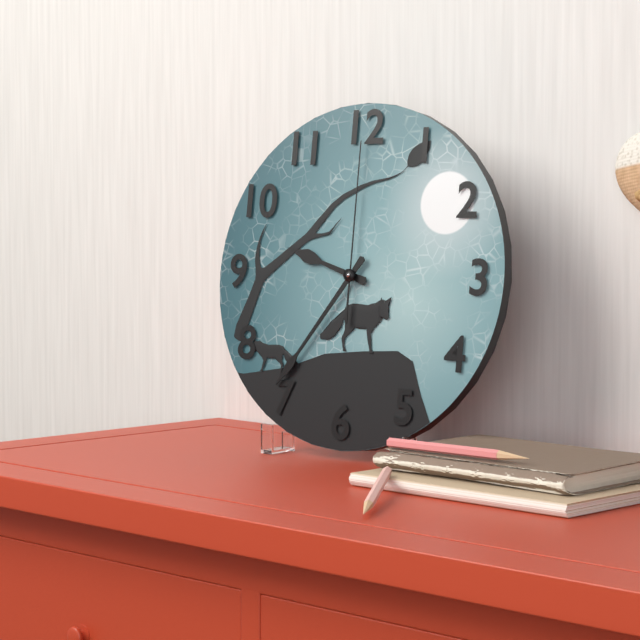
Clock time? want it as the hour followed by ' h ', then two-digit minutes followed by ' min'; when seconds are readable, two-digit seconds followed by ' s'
9 h 36 min 00 s
